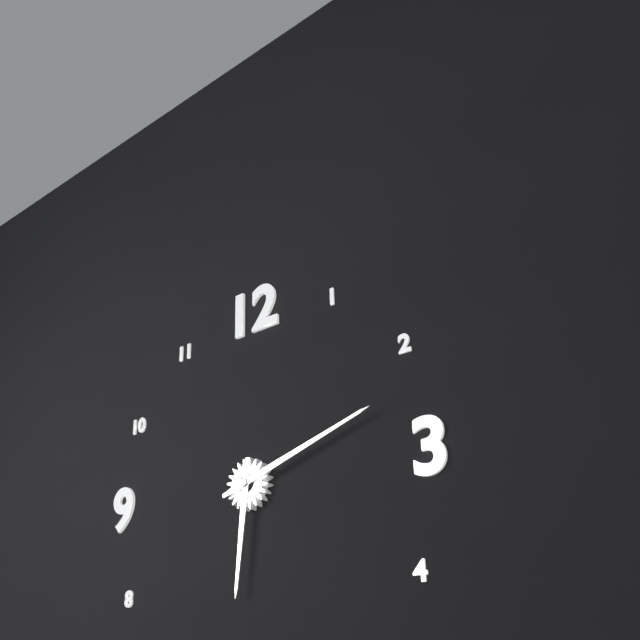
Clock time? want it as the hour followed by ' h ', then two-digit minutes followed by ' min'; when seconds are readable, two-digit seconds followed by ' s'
6 h 12 min
